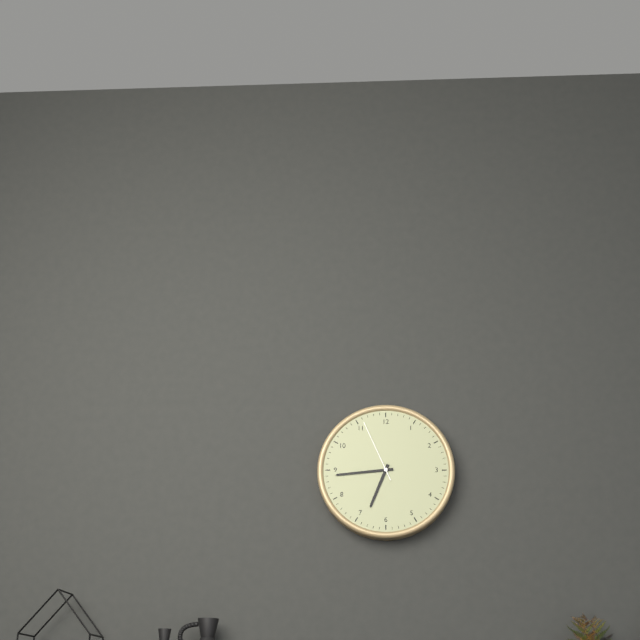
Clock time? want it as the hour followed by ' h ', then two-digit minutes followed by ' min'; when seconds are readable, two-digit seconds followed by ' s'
6 h 44 min 56 s
